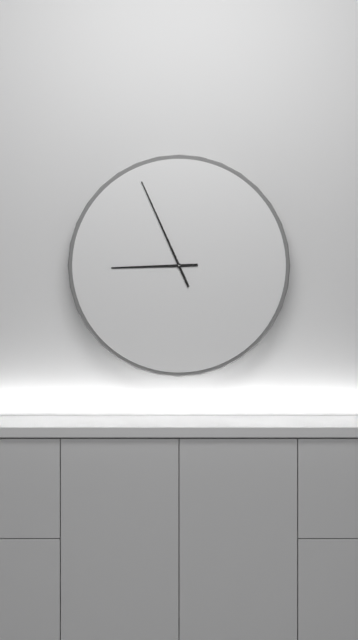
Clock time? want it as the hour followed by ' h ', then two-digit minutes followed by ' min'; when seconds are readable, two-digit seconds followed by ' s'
8 h 56 min
